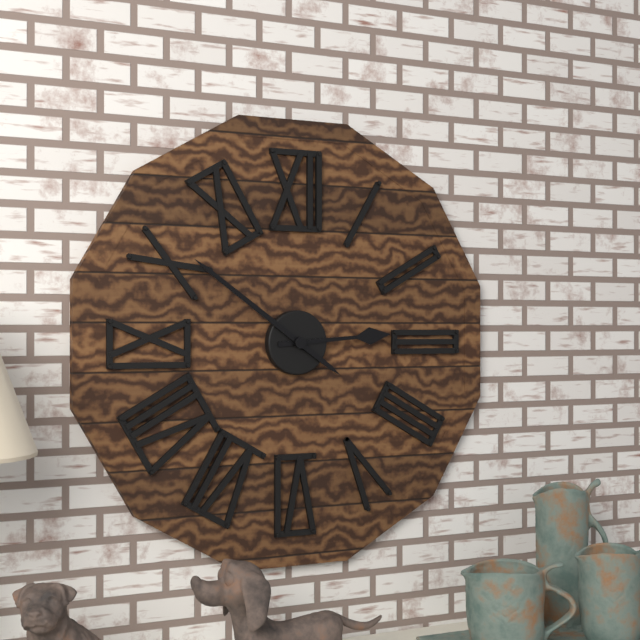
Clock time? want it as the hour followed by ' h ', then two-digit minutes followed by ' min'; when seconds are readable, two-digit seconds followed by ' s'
2 h 51 min
